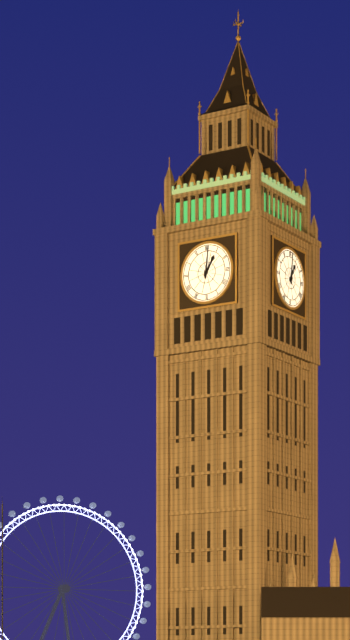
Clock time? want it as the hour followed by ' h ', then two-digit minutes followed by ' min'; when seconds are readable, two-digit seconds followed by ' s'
1 h 01 min
